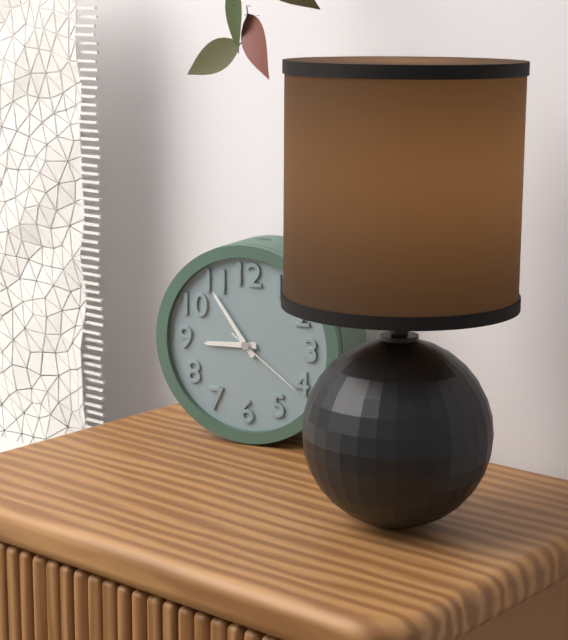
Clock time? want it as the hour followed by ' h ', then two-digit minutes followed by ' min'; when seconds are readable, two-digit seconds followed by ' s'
8 h 54 min 21 s
